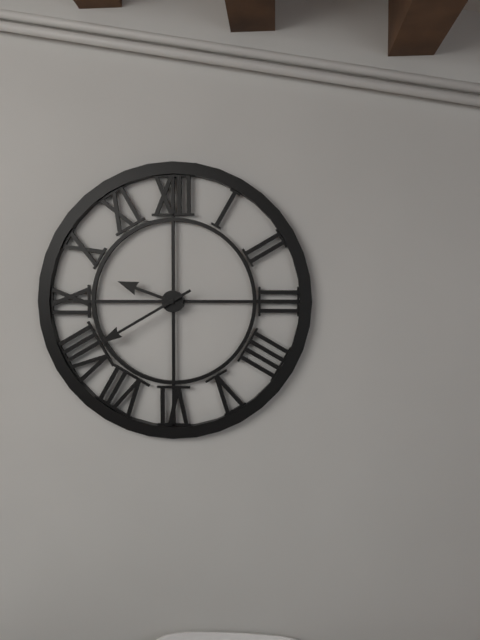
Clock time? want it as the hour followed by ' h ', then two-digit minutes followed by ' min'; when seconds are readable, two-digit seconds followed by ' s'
9 h 40 min
